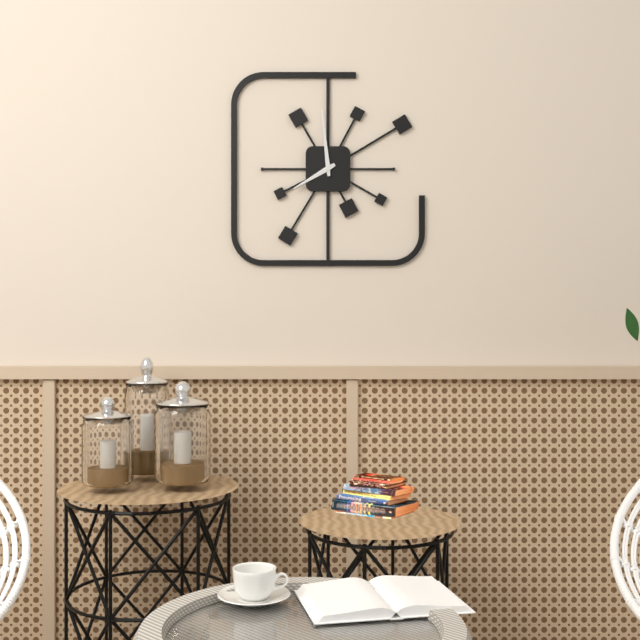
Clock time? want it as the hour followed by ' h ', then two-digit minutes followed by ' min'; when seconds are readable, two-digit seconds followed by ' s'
7 h 59 min
